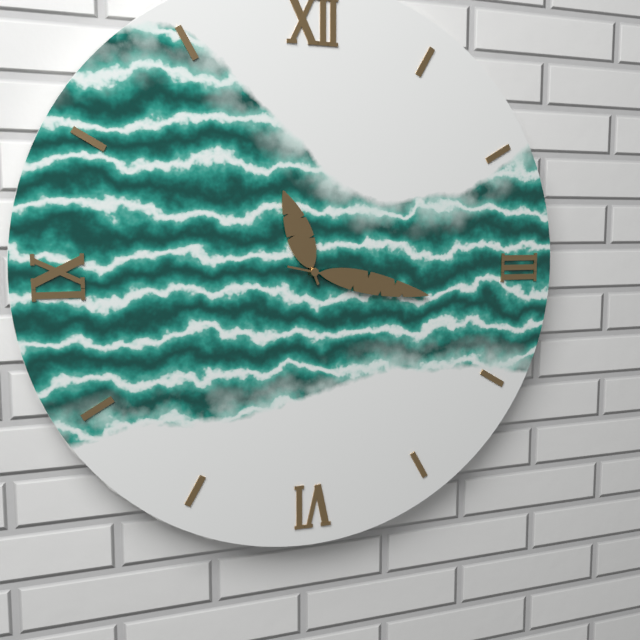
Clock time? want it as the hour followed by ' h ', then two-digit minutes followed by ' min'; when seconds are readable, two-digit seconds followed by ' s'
11 h 17 min
